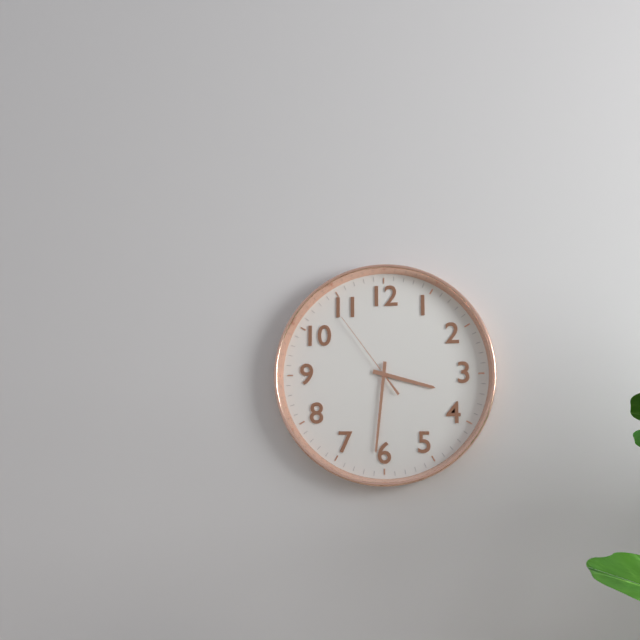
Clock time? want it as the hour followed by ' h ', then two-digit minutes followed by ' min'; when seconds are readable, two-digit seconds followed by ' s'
3 h 31 min 54 s
